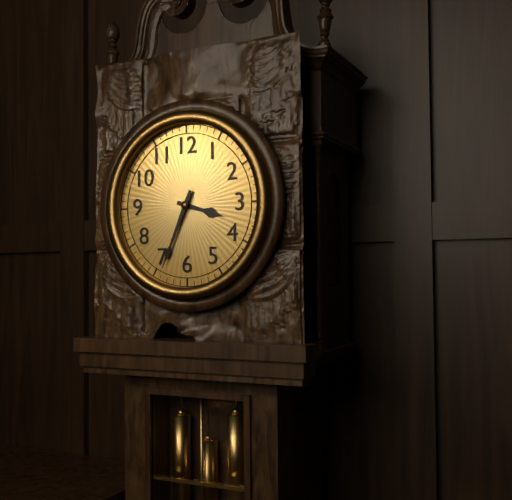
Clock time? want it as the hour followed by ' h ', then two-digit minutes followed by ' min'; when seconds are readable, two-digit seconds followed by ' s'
3 h 34 min
